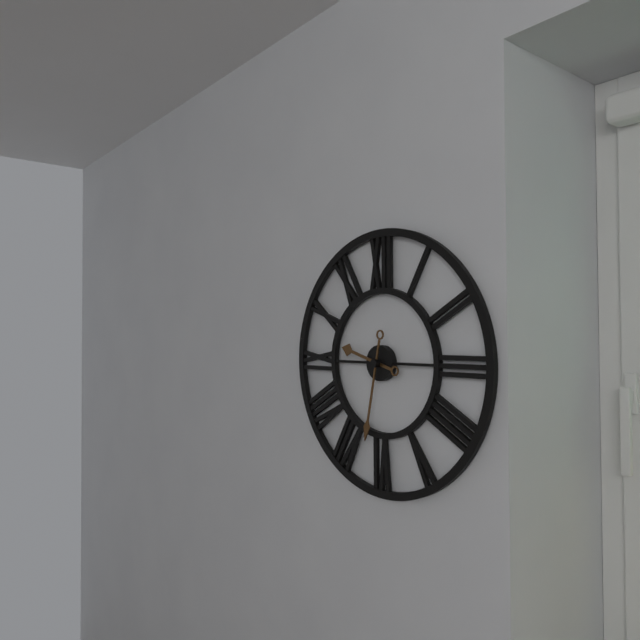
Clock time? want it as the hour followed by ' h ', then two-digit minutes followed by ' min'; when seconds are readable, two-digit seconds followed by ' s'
9 h 32 min
